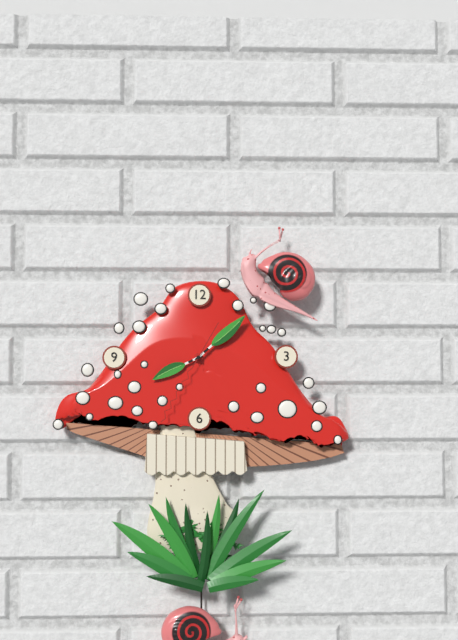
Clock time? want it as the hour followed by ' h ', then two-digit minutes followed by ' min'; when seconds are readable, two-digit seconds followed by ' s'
8 h 08 min 35 s
